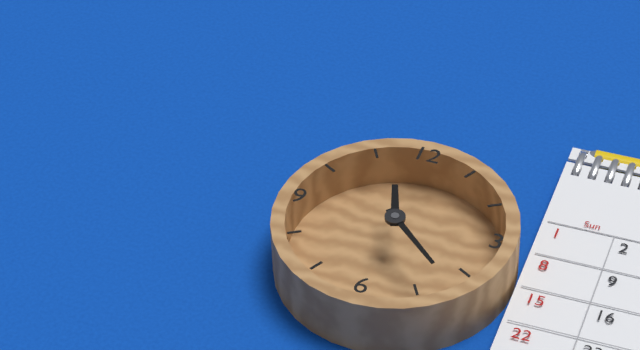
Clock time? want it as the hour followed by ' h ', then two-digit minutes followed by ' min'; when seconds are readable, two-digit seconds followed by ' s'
11 h 22 min
